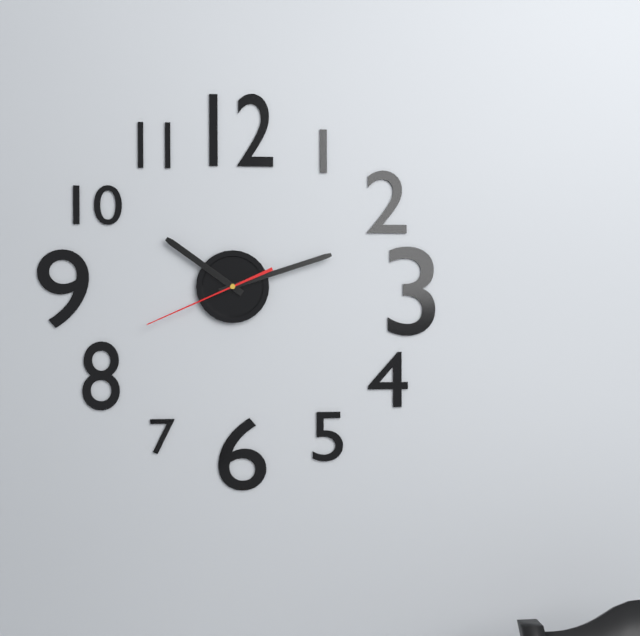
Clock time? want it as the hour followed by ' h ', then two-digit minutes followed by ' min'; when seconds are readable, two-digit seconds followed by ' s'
10 h 12 min 41 s
